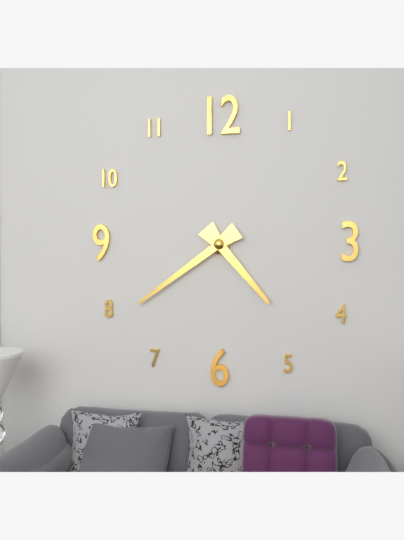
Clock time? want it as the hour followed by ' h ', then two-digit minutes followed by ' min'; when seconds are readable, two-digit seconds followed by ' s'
4 h 39 min
